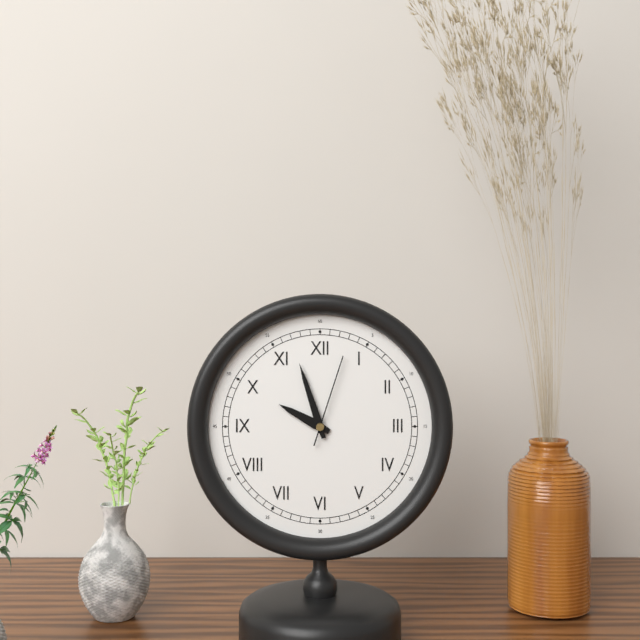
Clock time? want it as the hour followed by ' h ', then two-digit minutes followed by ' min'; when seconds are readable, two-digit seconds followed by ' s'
9 h 57 min 03 s
